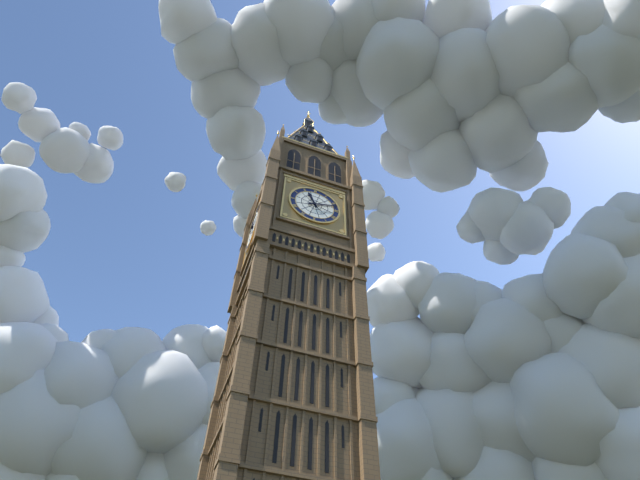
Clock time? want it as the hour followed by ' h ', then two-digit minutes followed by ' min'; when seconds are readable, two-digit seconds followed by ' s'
11 h 12 min
